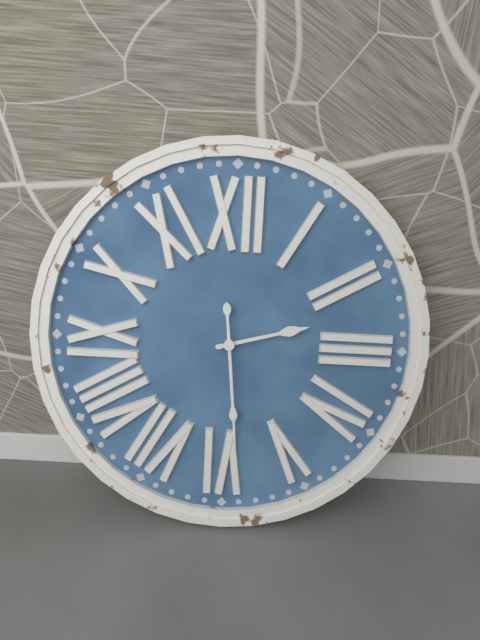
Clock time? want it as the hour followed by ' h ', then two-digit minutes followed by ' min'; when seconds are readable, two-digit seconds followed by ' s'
2 h 29 min
